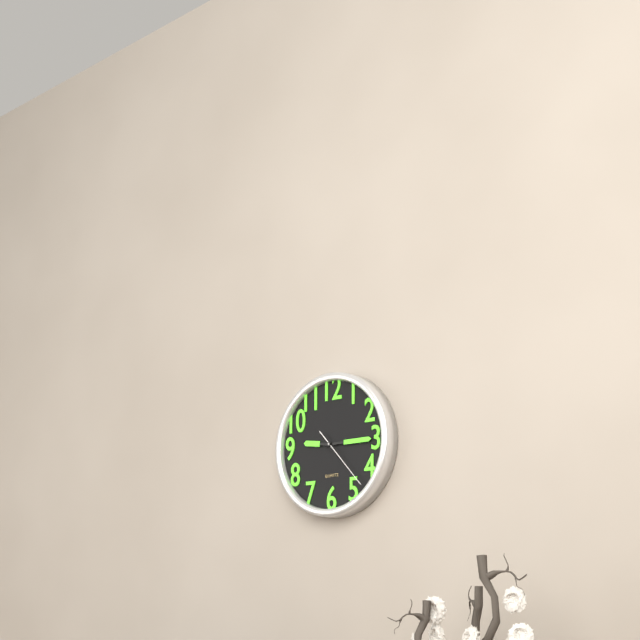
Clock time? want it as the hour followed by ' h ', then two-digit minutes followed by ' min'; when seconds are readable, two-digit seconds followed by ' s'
9 h 15 min 23 s
